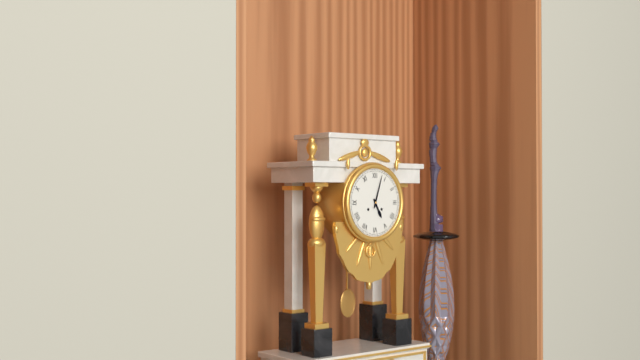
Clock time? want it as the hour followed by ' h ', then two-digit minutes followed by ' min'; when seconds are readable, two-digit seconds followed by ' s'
5 h 03 min
